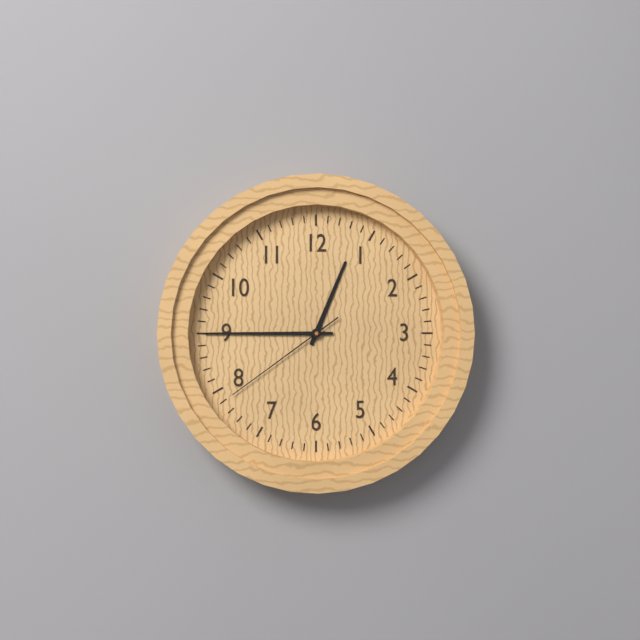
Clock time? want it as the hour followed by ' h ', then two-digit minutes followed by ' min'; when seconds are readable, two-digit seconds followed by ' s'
12 h 45 min 39 s
